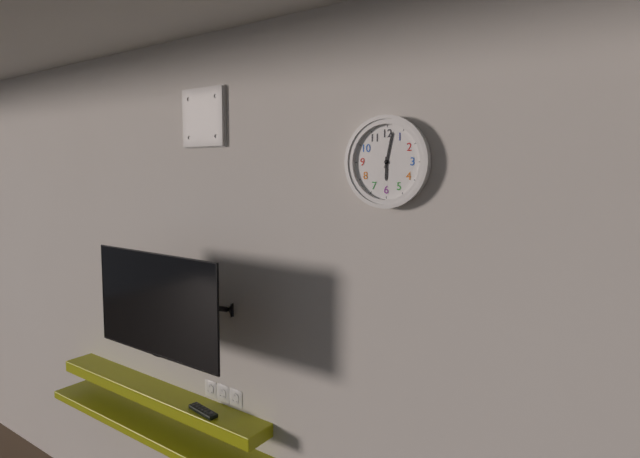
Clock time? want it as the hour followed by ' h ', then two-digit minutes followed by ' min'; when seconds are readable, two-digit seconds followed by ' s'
6 h 02 min
